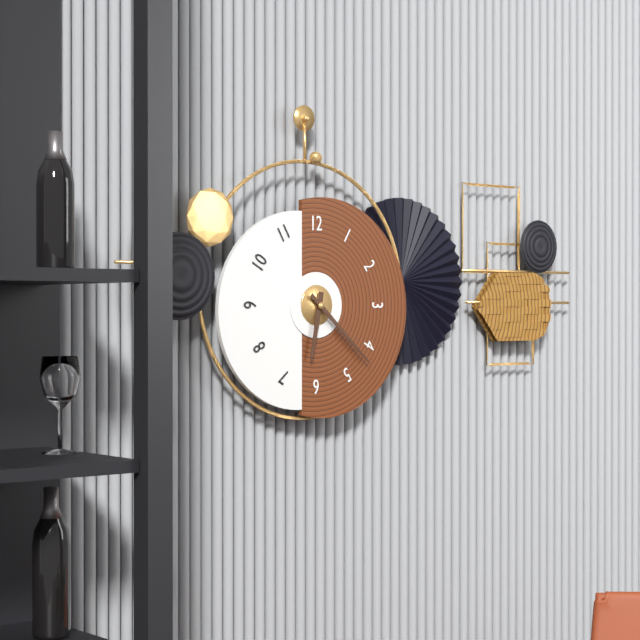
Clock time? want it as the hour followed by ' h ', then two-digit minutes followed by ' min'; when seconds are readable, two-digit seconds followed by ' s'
6 h 22 min
